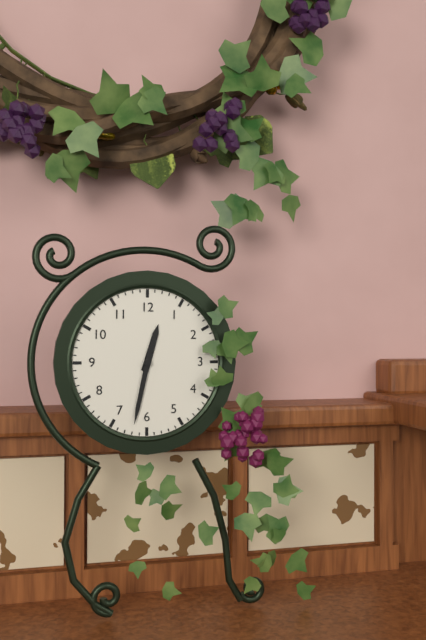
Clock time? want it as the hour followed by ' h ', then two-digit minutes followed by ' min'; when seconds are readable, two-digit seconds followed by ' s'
12 h 32 min
